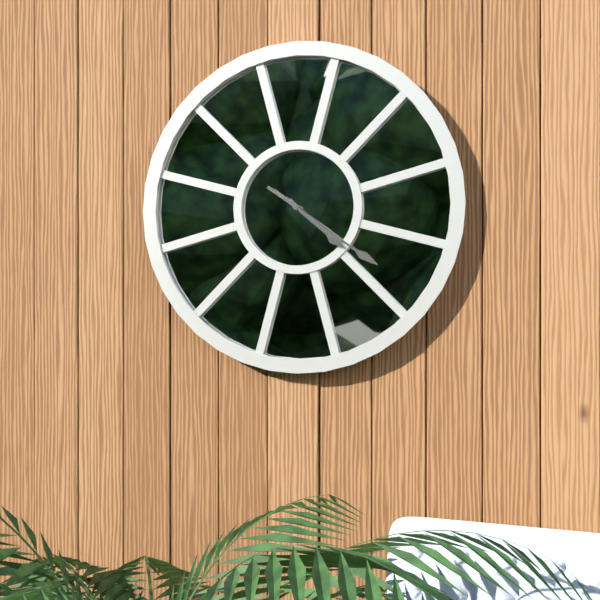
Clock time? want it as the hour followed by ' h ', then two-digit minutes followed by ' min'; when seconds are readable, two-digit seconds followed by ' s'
4 h 21 min
